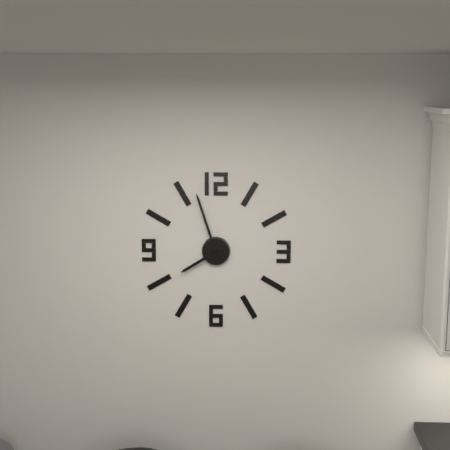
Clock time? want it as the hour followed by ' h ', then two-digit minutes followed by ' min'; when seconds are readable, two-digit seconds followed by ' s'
7 h 57 min
